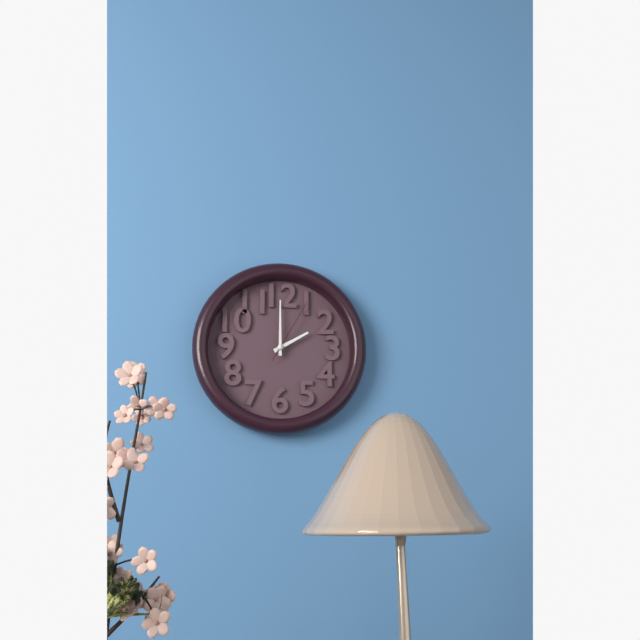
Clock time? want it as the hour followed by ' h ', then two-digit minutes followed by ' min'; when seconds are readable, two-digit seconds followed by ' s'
2 h 00 min 05 s
